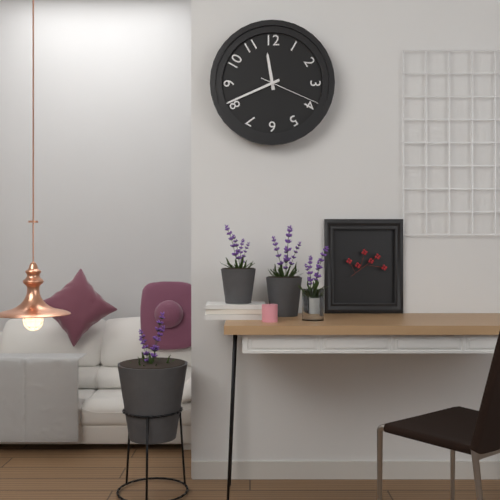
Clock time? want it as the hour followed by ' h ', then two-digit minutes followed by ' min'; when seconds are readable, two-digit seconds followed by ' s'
11 h 41 min 19 s
